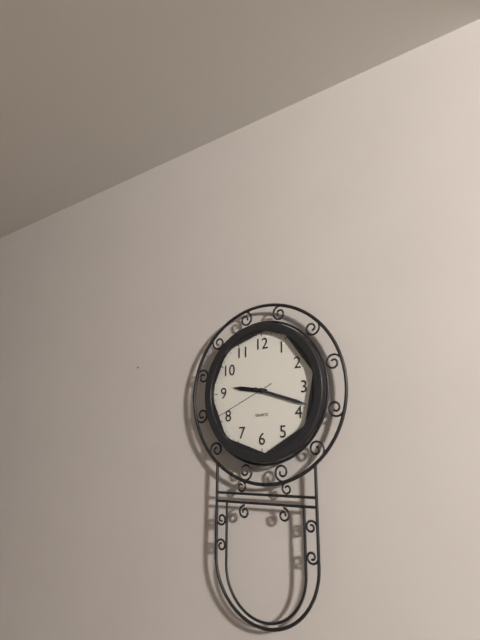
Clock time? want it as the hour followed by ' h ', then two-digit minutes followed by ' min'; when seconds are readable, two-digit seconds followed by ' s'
9 h 18 min 41 s
